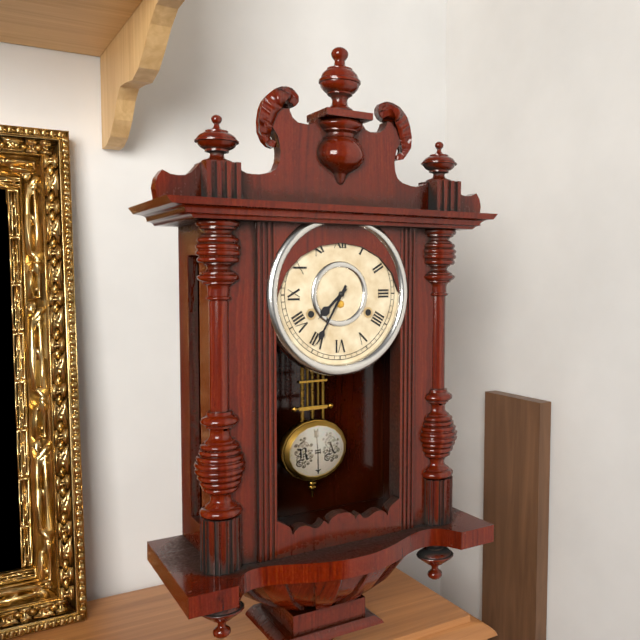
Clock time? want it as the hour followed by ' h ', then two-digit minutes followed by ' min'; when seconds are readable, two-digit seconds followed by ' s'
7 h 35 min
